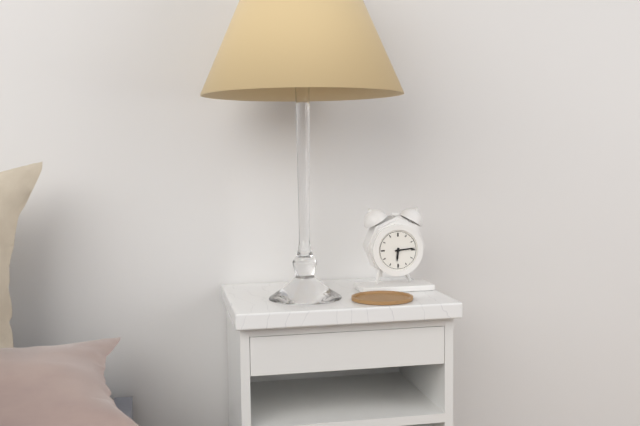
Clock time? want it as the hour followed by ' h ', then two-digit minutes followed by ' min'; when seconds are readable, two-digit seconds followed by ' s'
6 h 14 min
